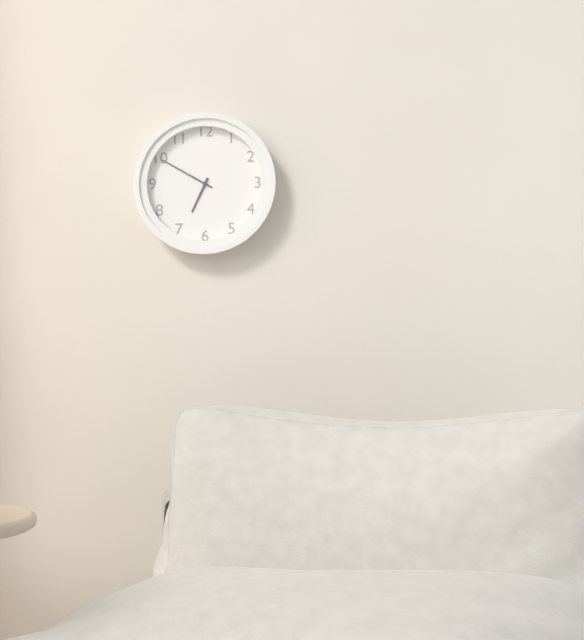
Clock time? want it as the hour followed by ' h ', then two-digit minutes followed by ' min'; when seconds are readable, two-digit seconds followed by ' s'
6 h 50 min
